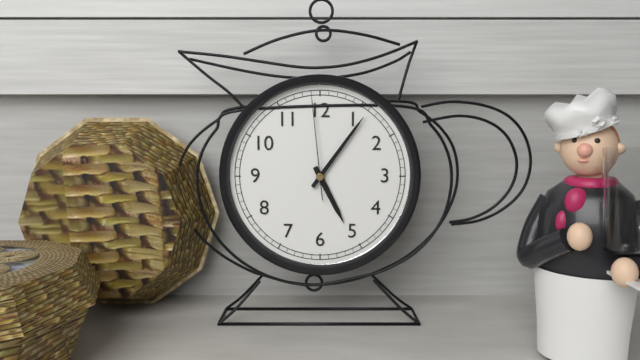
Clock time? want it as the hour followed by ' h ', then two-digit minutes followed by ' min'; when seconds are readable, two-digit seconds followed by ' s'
5 h 06 min 59 s
